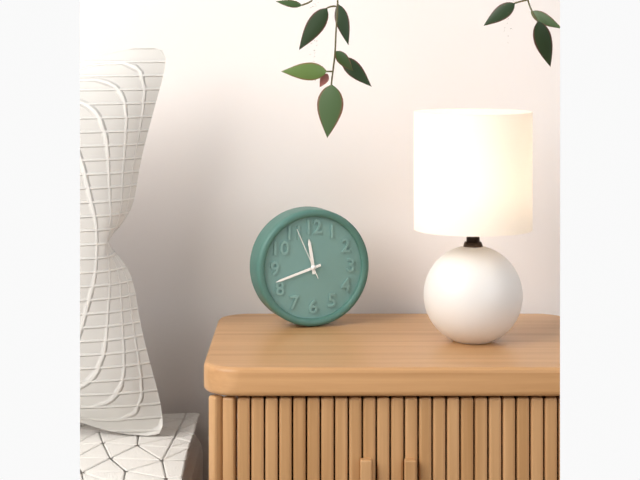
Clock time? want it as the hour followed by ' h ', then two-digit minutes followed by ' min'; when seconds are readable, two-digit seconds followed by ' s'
11 h 42 min 56 s
